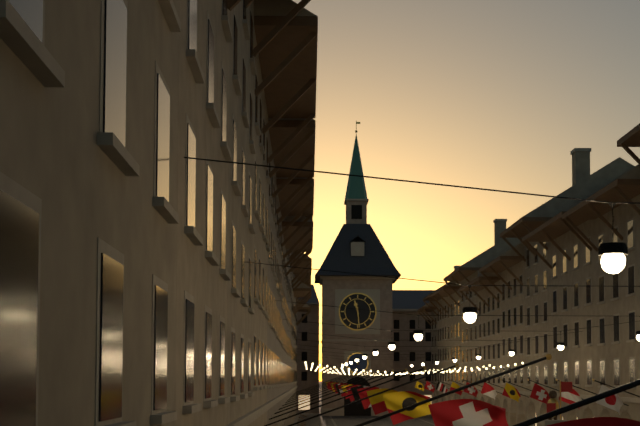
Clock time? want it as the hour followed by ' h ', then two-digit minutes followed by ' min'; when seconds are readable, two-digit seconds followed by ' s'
11 h 29 min
